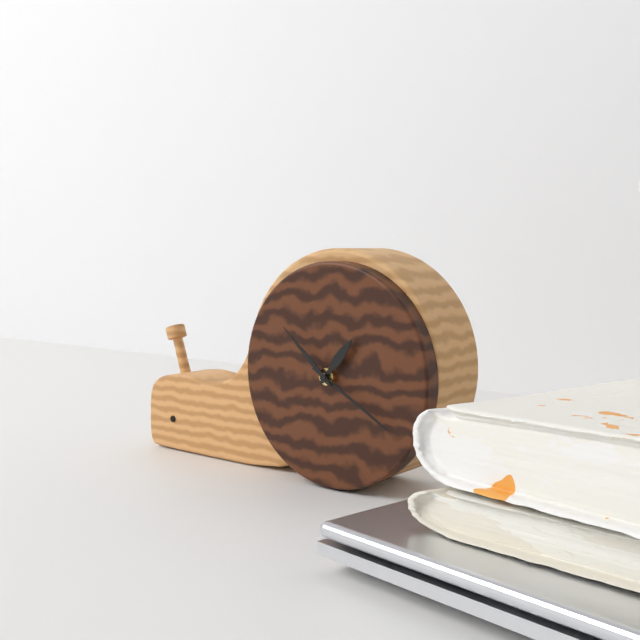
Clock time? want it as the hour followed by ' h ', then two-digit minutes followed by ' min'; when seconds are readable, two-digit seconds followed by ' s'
1 h 20 min 52 s
